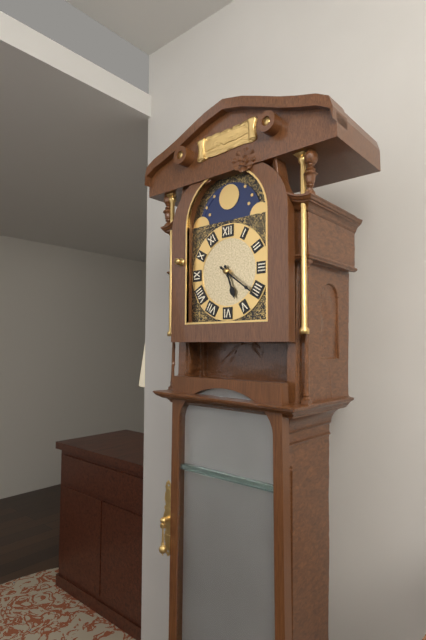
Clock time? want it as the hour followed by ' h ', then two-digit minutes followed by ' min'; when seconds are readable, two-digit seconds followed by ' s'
5 h 21 min
